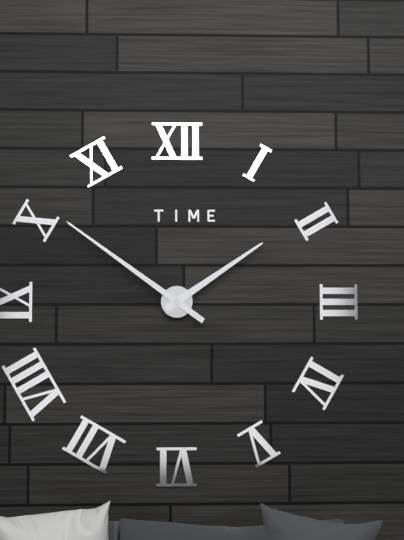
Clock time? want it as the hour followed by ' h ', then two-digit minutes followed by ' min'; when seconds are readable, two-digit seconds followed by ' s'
1 h 51 min
